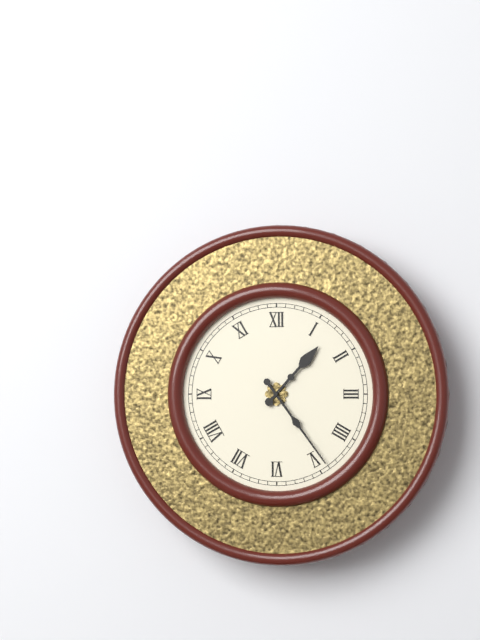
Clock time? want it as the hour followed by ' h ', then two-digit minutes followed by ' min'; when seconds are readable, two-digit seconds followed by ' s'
1 h 24 min
